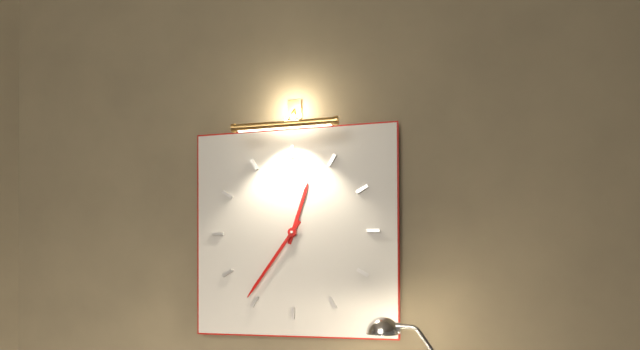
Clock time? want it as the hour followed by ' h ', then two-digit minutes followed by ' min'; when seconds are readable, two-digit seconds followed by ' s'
12 h 36 min
